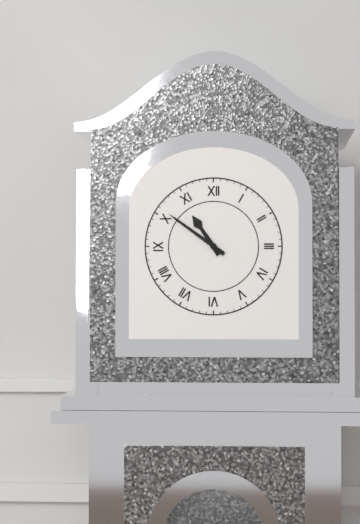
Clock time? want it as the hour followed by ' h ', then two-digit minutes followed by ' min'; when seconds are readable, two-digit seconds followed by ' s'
10 h 51 min
